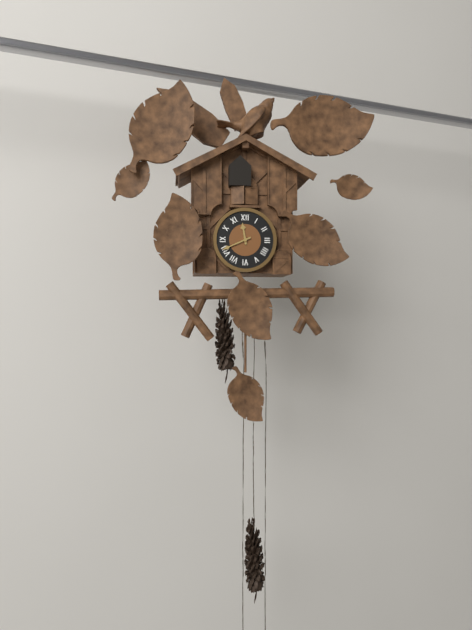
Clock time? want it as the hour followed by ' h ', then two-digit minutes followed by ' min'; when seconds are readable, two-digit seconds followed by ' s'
11 h 41 min
